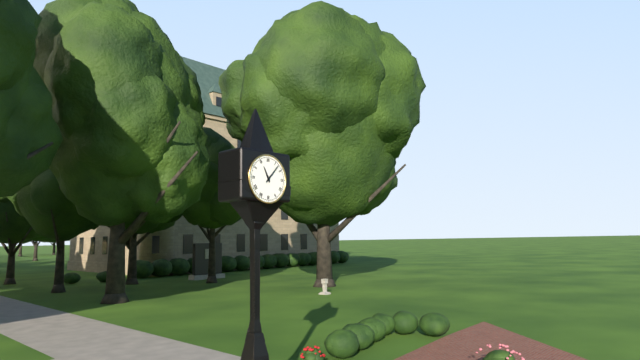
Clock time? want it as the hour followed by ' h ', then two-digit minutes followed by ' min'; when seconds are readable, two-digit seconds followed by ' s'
11 h 07 min
